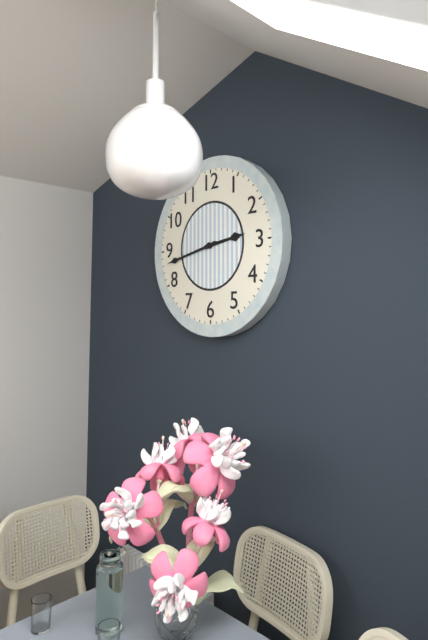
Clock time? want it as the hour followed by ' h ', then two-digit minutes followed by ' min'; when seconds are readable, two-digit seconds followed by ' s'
2 h 43 min
